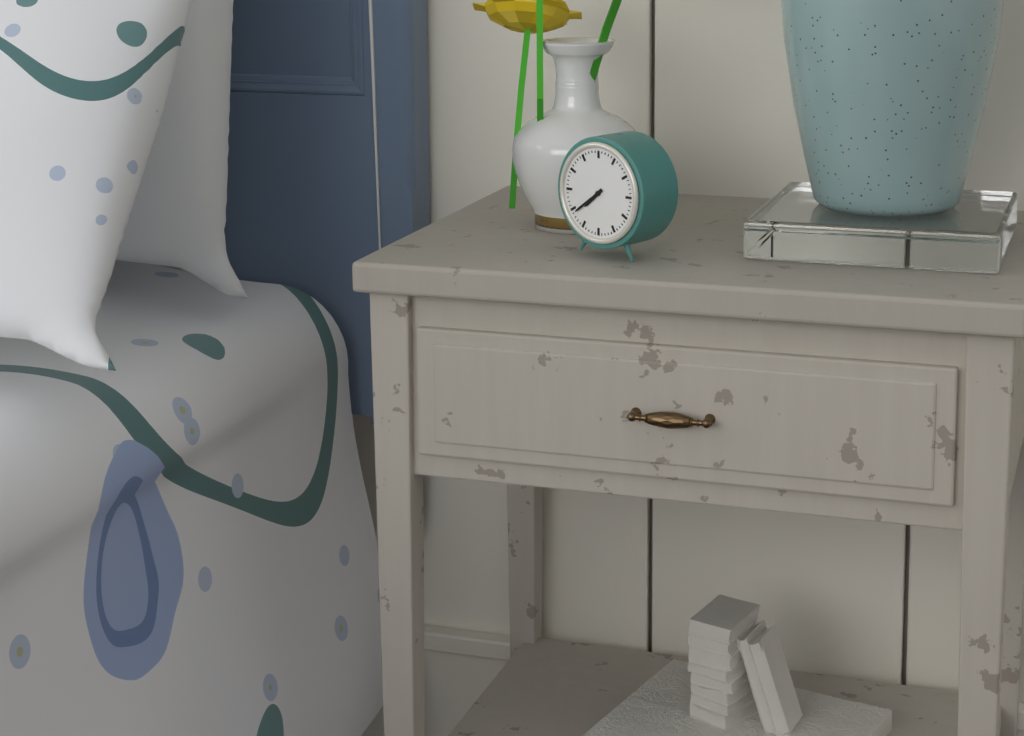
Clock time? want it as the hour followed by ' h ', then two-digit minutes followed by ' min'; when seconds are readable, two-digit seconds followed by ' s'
7 h 39 min
